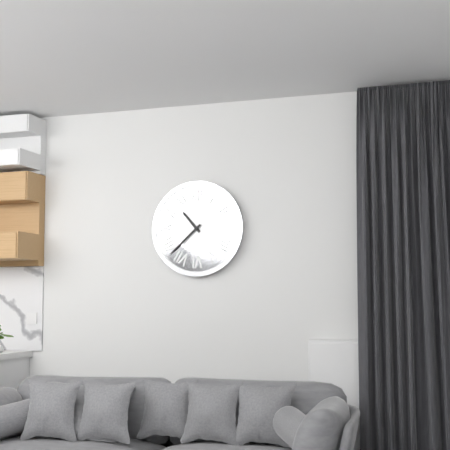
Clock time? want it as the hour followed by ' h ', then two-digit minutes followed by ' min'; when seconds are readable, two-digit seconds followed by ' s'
10 h 38 min
